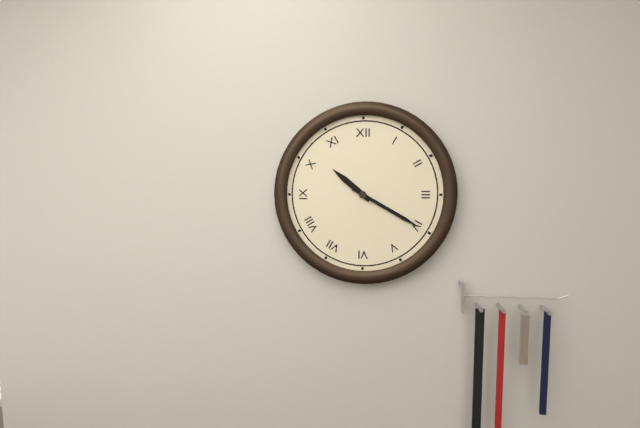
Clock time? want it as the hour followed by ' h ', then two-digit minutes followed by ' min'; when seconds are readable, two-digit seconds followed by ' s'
10 h 20 min
